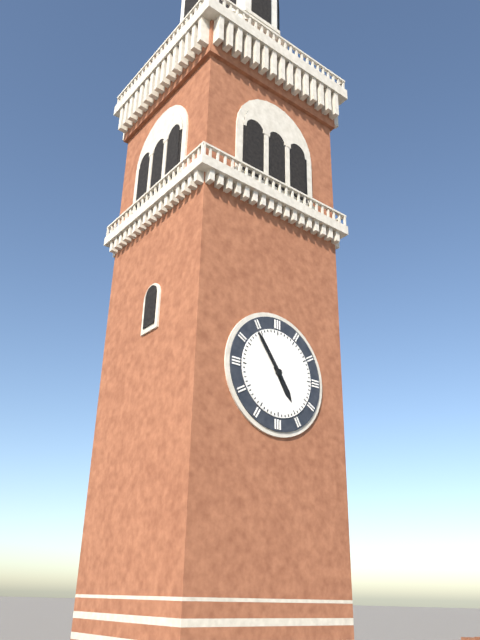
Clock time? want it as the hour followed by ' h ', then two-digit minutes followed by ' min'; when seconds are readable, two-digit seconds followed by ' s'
4 h 54 min
